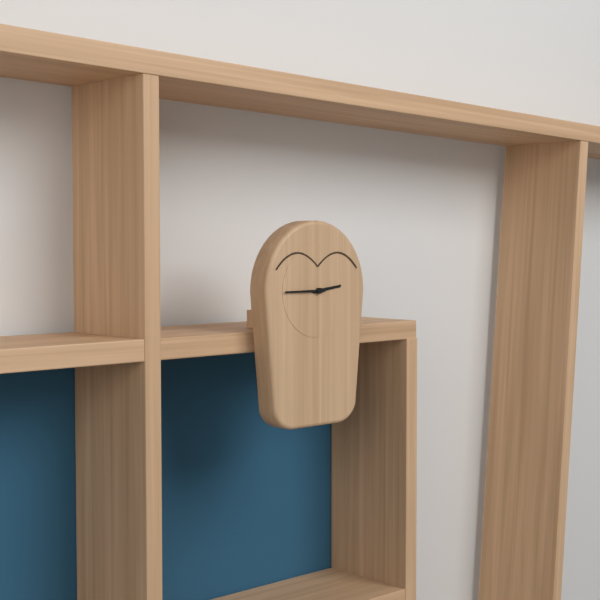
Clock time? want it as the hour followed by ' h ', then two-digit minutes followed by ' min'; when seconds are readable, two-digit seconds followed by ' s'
2 h 45 min
